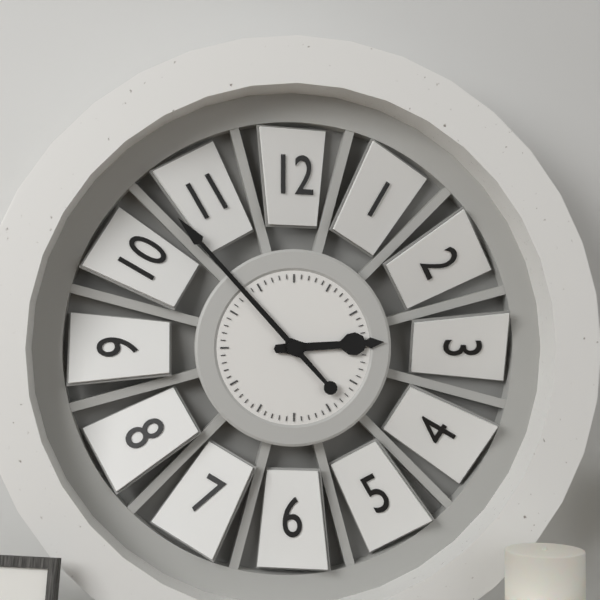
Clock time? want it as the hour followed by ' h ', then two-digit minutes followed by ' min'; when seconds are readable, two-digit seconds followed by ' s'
2 h 53 min
